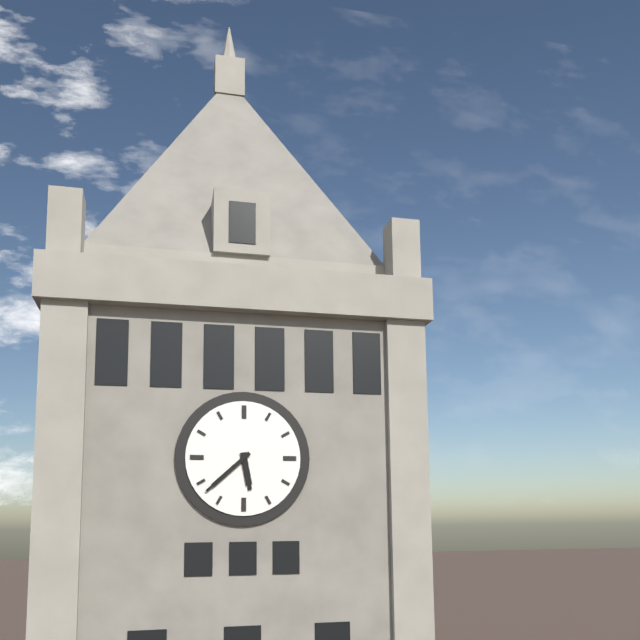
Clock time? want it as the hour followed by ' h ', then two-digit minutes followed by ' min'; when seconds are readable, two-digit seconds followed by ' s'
5 h 38 min
